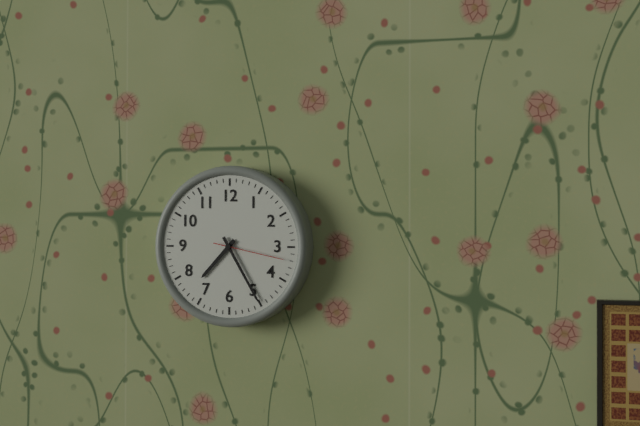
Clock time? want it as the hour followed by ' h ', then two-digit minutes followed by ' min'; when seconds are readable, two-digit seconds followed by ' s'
7 h 25 min 17 s
